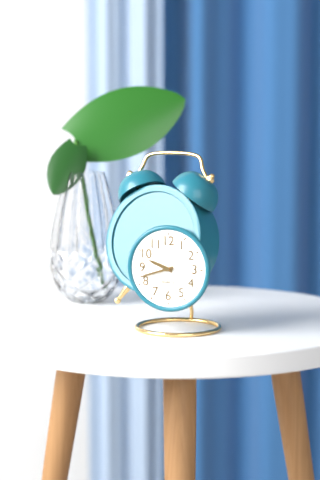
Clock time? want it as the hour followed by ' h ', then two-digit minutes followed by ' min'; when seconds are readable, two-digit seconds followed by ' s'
9 h 42 min
